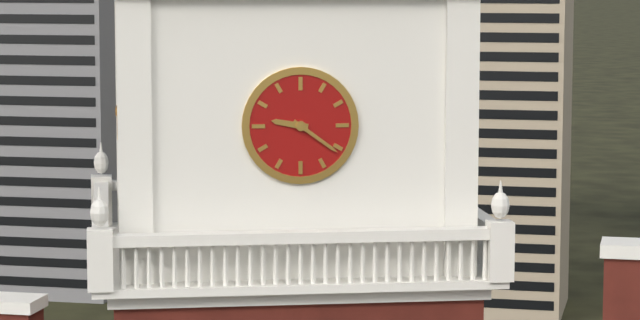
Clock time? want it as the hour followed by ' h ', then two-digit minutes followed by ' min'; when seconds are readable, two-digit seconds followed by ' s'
9 h 21 min
